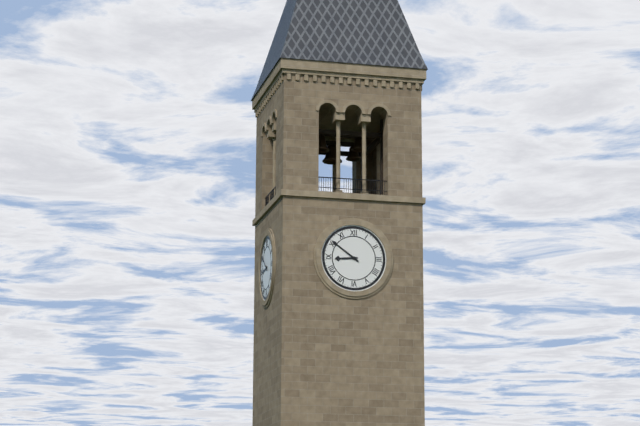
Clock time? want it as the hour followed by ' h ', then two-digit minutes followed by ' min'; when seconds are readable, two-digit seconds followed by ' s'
8 h 51 min
